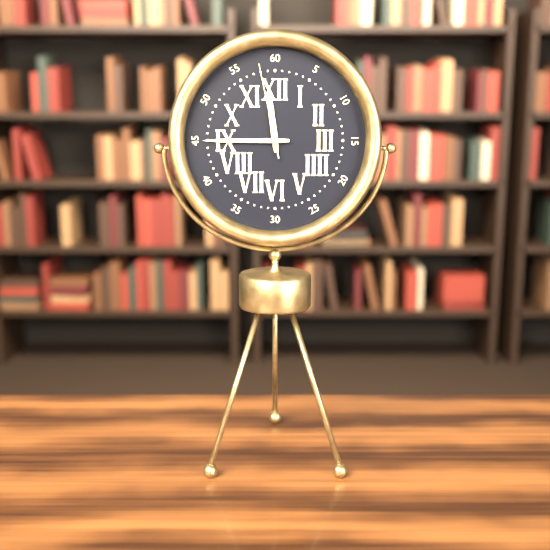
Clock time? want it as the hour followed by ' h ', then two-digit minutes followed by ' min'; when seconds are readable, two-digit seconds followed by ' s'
11 h 45 min 58 s
